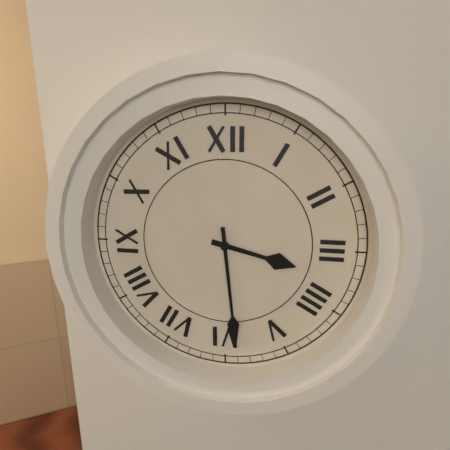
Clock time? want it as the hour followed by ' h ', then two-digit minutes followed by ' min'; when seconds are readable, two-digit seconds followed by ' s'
3 h 29 min
